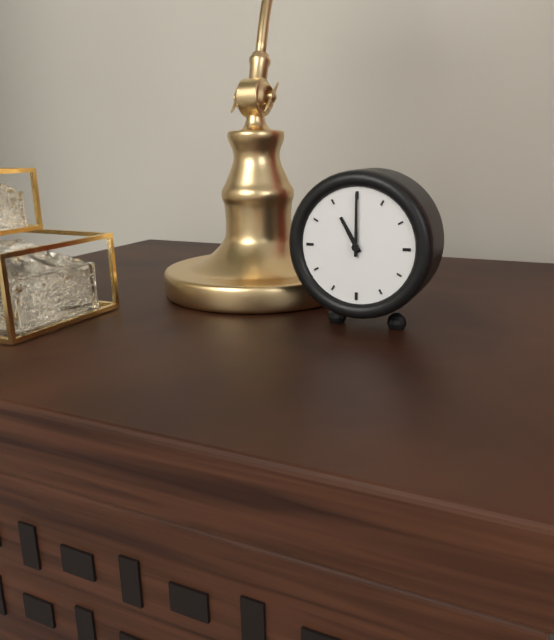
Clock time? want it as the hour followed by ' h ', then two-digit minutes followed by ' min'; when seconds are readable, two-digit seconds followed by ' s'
11 h 00 min
